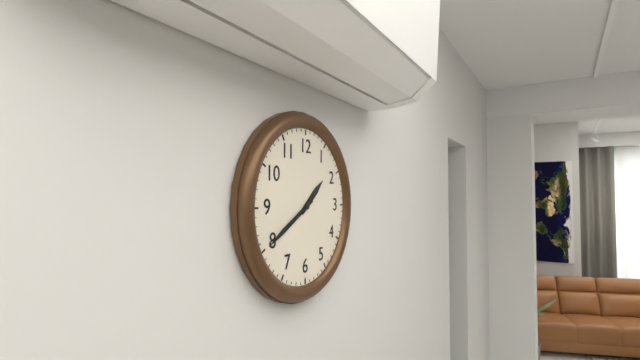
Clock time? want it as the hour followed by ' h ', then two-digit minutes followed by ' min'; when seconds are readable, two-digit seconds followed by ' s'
1 h 40 min
